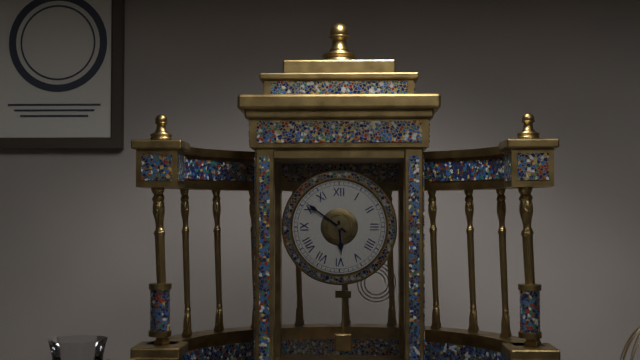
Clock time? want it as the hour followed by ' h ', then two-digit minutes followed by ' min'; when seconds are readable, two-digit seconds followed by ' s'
5 h 51 min
